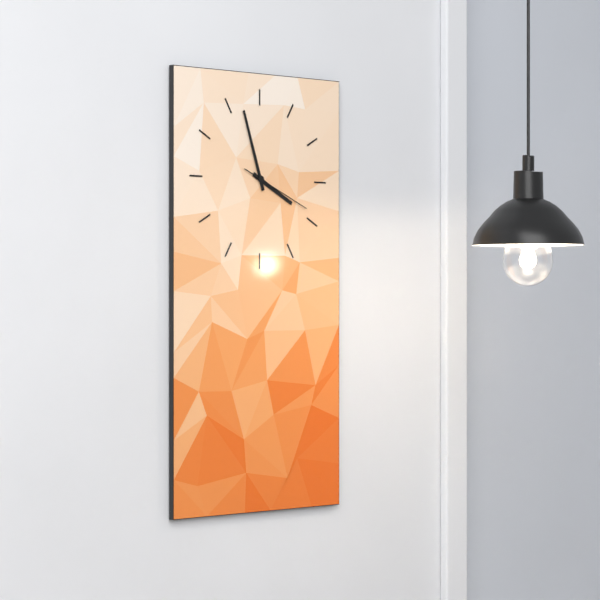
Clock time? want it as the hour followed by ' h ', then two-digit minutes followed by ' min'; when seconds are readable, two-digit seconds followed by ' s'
3 h 57 min 19 s
